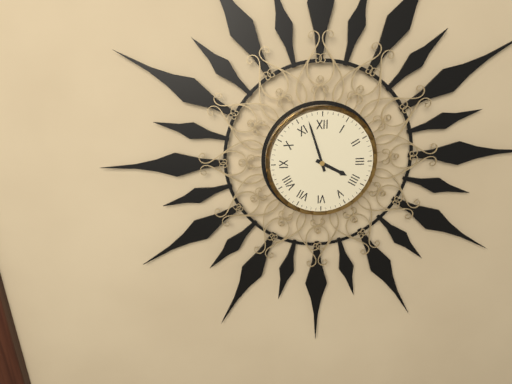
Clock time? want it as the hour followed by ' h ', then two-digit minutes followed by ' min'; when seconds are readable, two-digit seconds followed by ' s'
3 h 57 min
